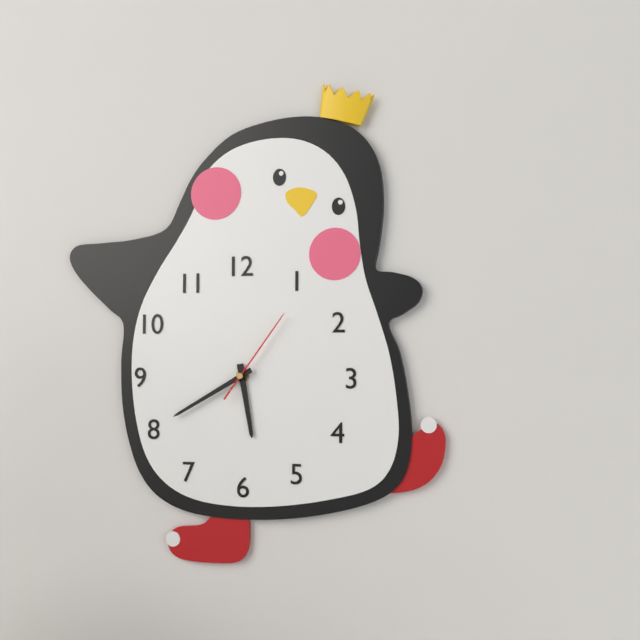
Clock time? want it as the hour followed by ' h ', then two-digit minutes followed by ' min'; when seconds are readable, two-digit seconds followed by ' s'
5 h 40 min 06 s
